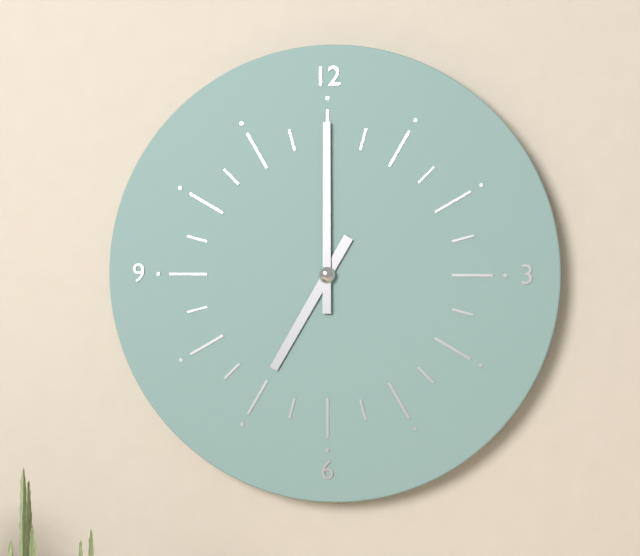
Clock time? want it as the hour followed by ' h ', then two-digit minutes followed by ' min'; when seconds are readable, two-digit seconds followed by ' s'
7 h 00 min
